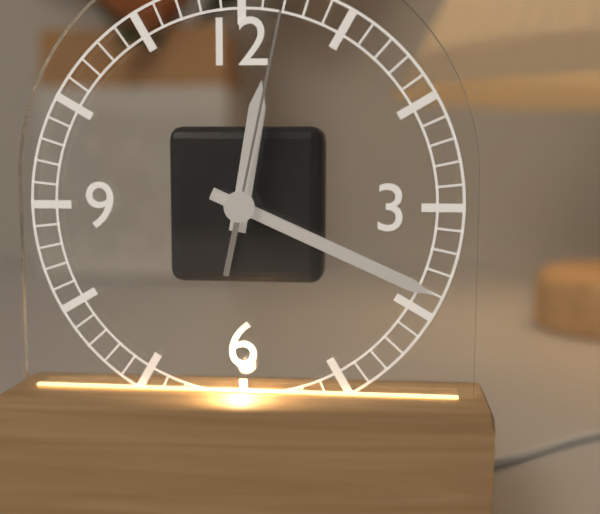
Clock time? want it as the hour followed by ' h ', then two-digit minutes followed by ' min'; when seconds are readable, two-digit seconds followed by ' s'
12 h 19 min 02 s
